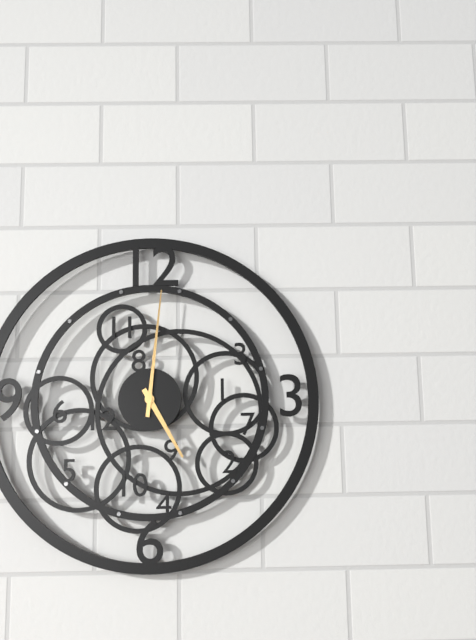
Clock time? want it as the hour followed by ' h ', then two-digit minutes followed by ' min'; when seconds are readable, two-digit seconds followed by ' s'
5 h 01 min
